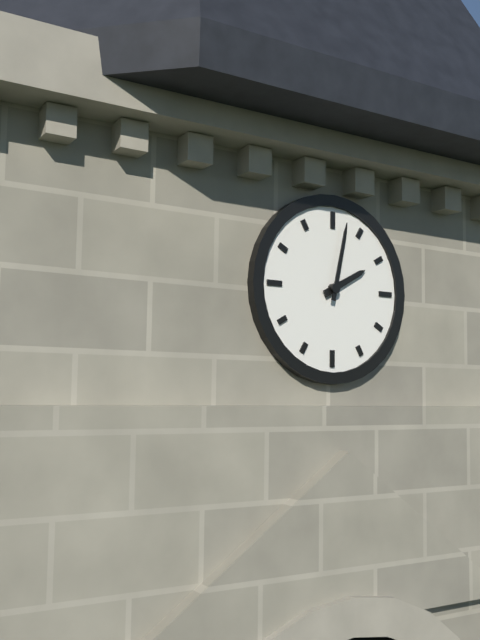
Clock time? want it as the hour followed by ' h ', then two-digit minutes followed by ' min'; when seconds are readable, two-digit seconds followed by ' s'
2 h 02 min
